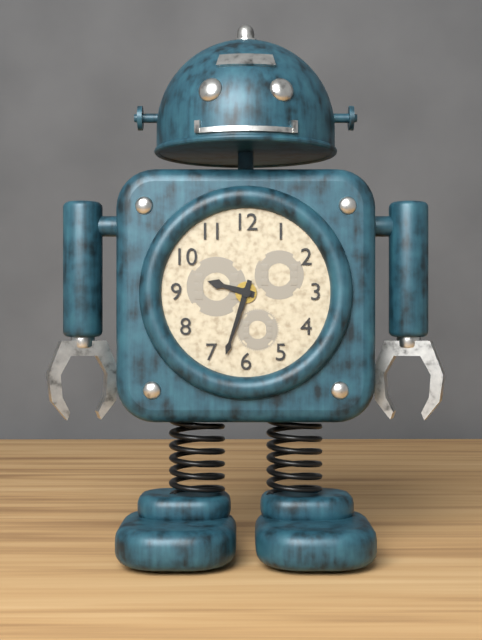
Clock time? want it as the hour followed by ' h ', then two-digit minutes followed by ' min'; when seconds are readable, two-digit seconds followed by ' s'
9 h 33 min
